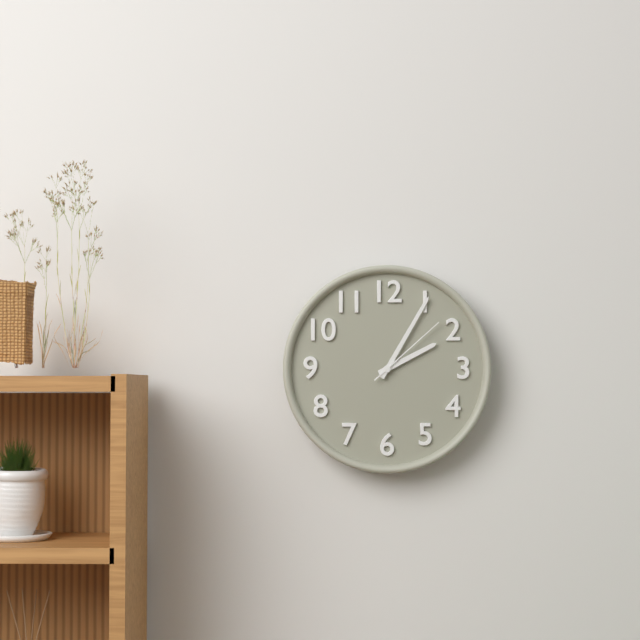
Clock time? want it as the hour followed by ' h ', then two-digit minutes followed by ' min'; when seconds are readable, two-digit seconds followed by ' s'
2 h 05 min 08 s
